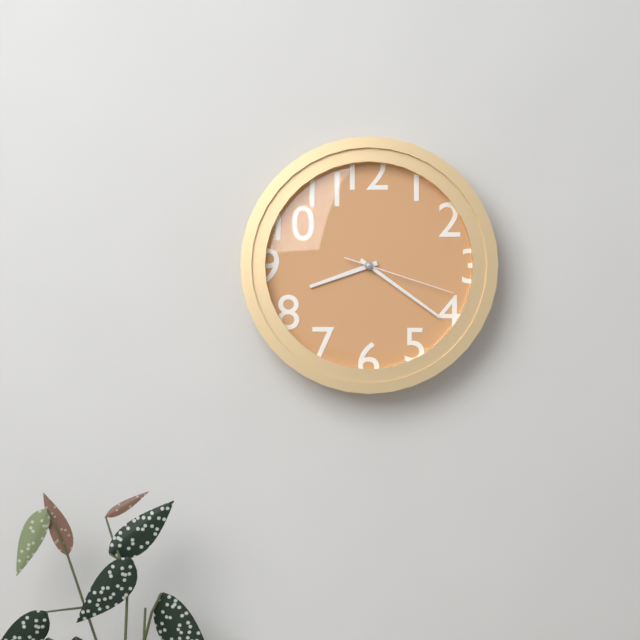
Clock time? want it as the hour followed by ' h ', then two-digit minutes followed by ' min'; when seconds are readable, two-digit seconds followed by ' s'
8 h 21 min 18 s
